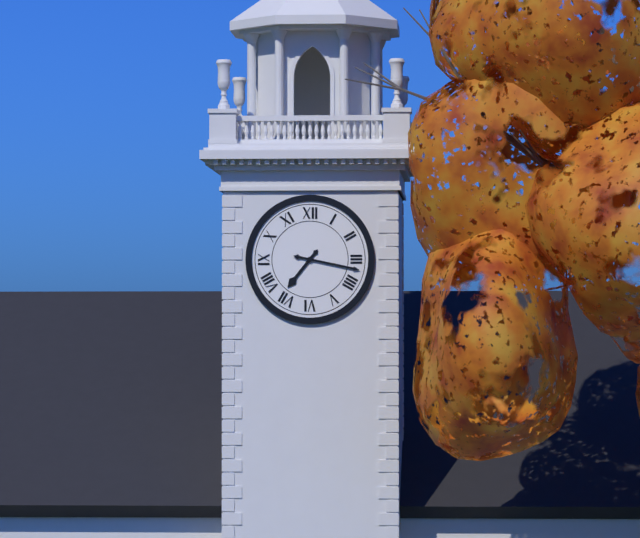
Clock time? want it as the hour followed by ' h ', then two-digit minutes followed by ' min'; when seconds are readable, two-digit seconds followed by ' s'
7 h 17 min
